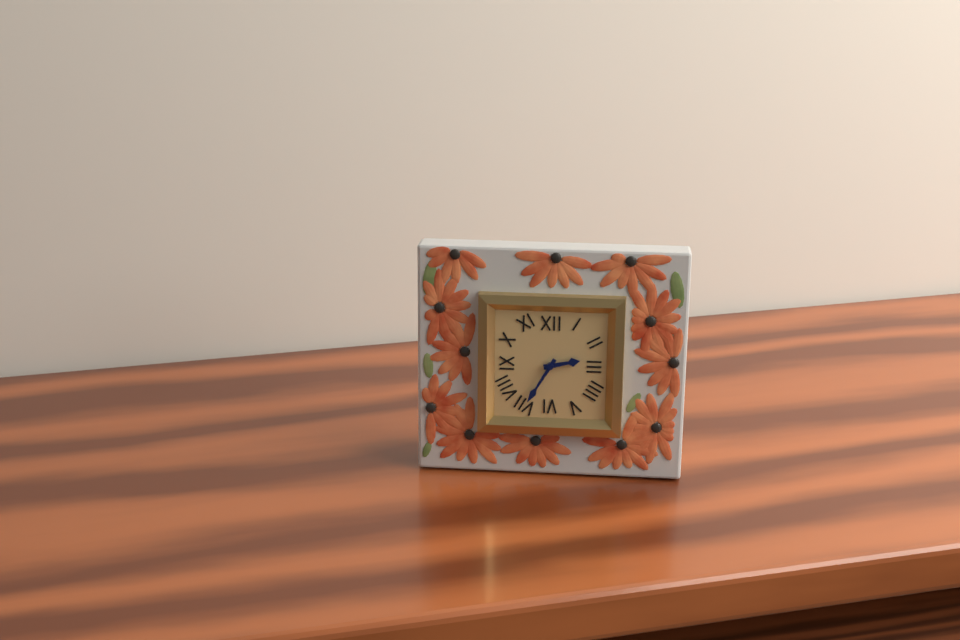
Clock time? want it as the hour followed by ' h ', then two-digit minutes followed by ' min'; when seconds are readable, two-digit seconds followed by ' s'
2 h 35 min
